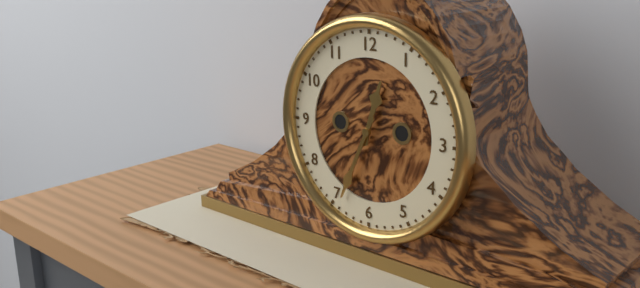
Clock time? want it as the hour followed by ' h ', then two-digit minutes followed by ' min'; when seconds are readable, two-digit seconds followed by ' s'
12 h 34 min
